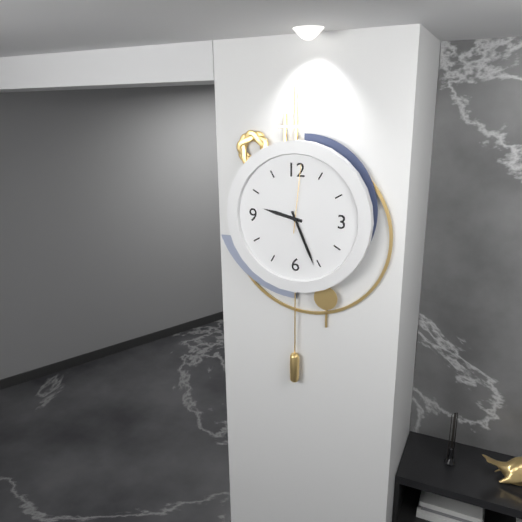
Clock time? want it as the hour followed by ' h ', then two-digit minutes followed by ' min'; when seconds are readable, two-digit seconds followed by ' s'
9 h 26 min 01 s
